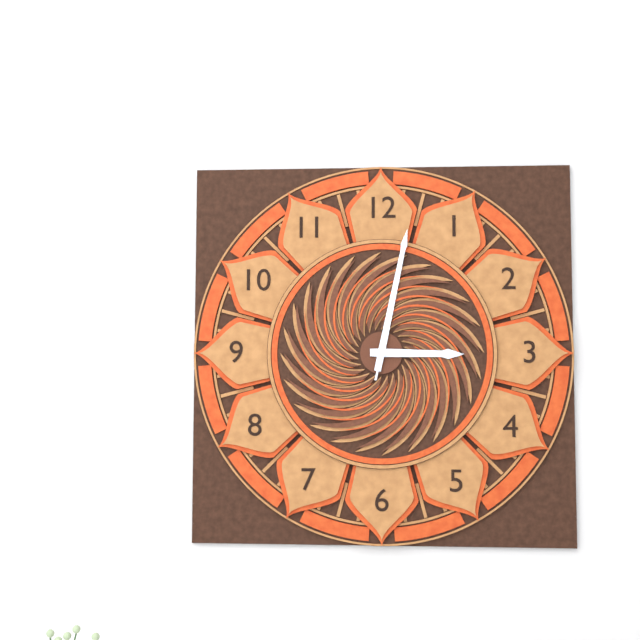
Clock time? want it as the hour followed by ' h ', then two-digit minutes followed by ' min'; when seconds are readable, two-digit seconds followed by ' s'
3 h 02 min 02 s
